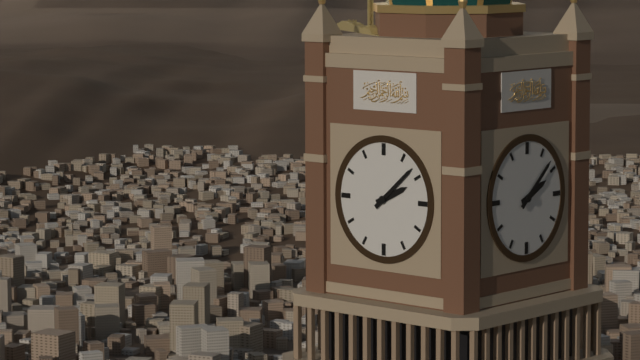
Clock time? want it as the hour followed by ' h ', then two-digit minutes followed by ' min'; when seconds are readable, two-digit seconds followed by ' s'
2 h 08 min
